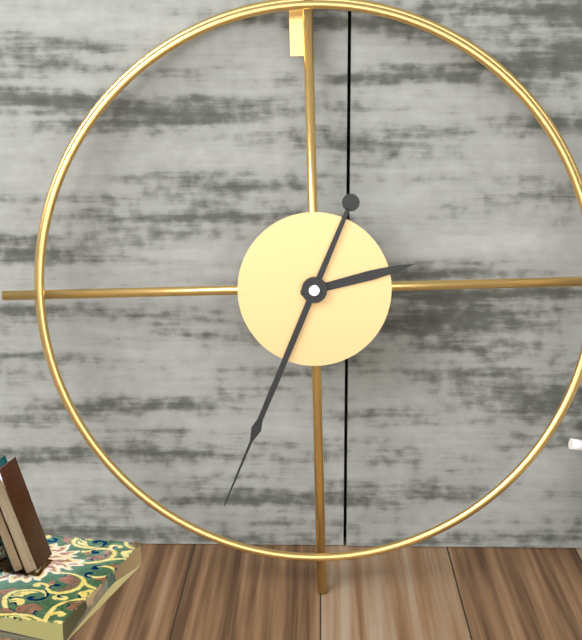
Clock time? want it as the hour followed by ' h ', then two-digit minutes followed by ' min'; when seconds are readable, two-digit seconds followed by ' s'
2 h 34 min
